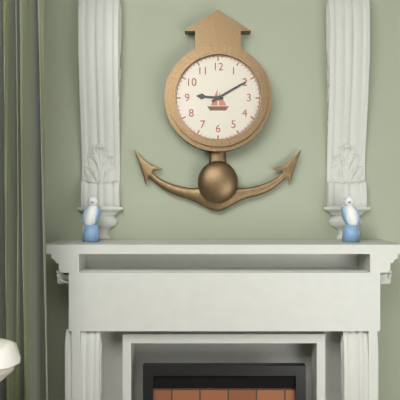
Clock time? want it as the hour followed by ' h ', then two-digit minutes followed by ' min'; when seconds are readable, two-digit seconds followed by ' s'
9 h 10 min
